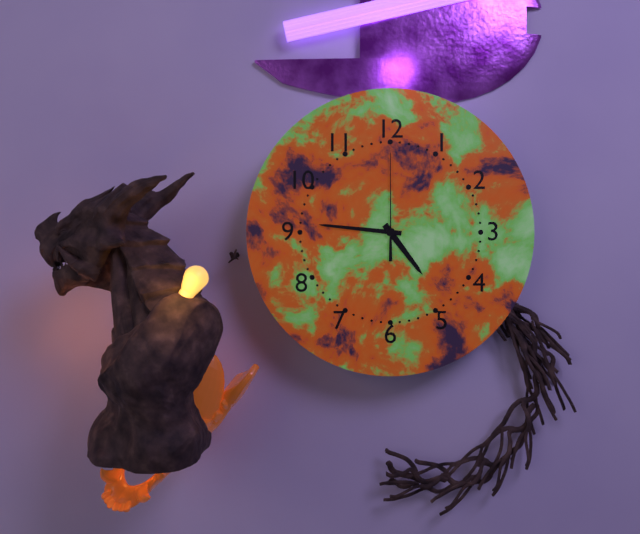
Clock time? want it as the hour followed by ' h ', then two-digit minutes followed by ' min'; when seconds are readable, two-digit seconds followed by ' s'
4 h 46 min 00 s
